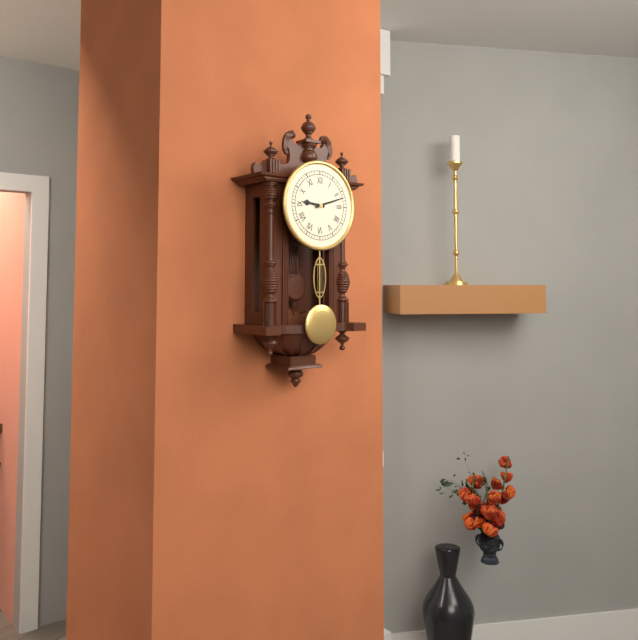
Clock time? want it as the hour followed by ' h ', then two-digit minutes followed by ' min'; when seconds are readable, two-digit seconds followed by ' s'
9 h 12 min
